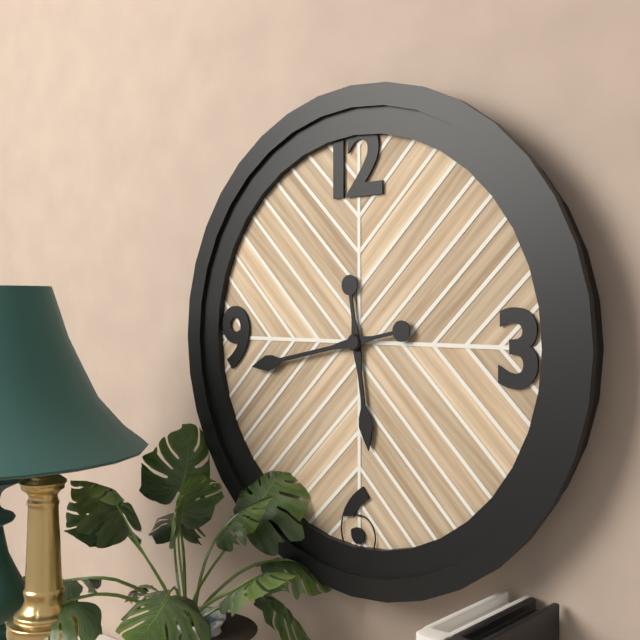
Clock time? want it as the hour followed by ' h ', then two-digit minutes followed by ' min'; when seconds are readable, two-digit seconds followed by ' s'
5 h 43 min
